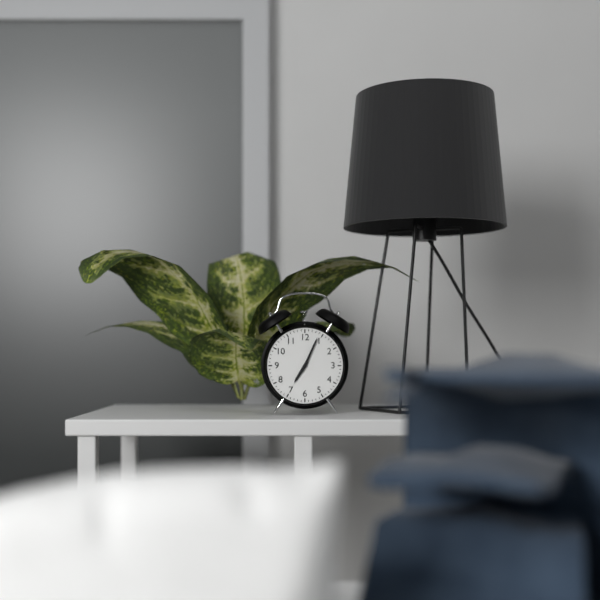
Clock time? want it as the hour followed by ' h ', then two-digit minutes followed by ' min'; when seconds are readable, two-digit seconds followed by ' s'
7 h 04 min
